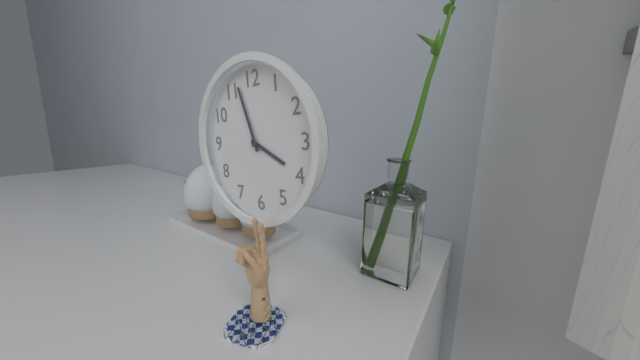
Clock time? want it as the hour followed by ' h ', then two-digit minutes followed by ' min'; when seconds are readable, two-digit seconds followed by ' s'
3 h 57 min
